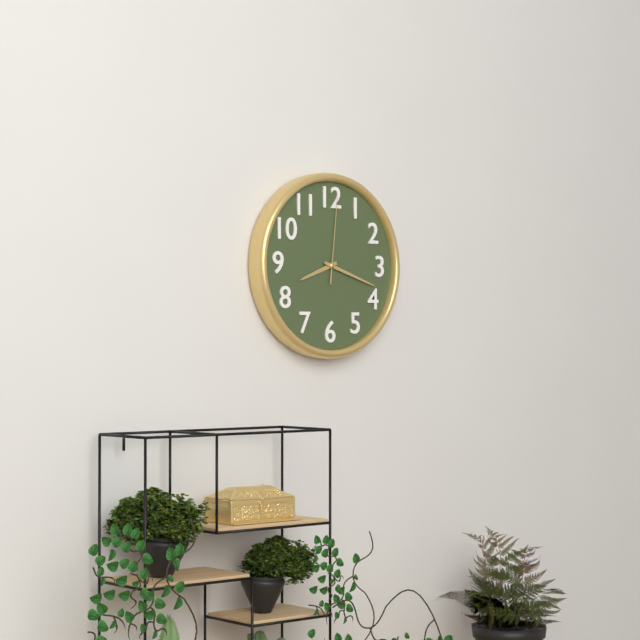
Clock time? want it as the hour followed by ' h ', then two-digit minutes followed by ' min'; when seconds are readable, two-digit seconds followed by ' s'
8 h 18 min 01 s
